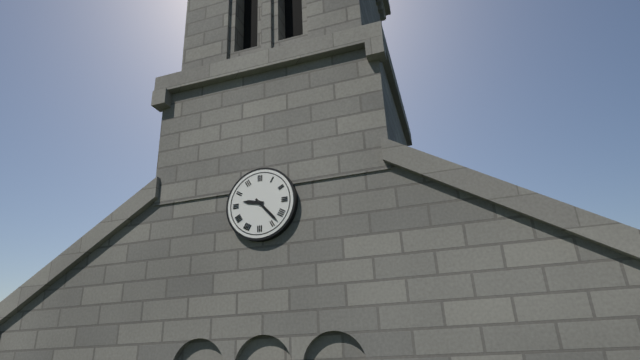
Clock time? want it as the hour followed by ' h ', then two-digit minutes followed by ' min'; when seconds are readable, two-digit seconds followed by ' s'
9 h 23 min
